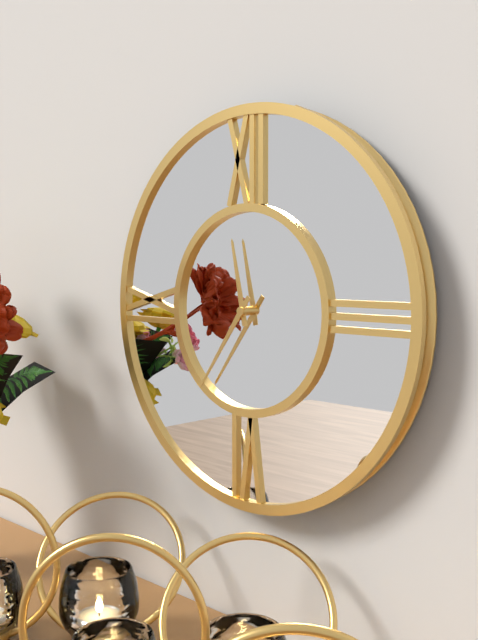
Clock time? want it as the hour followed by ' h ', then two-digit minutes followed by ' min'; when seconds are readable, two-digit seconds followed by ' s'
11 h 36 min
